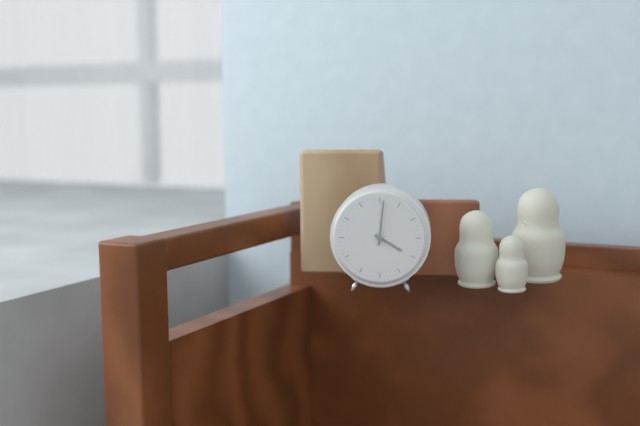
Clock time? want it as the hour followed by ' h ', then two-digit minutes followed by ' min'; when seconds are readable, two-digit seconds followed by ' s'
4 h 01 min
